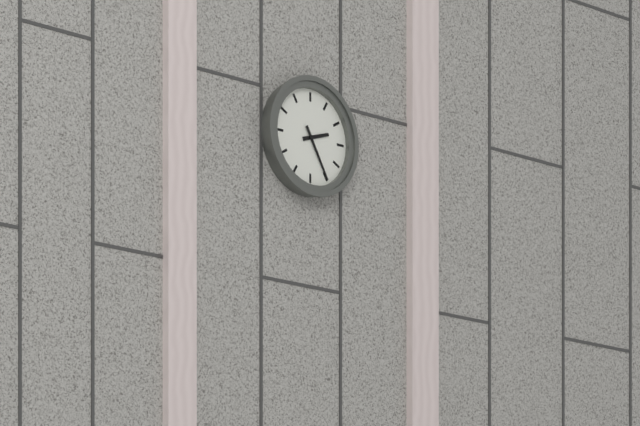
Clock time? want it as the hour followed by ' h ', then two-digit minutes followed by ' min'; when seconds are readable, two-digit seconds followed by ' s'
2 h 25 min
